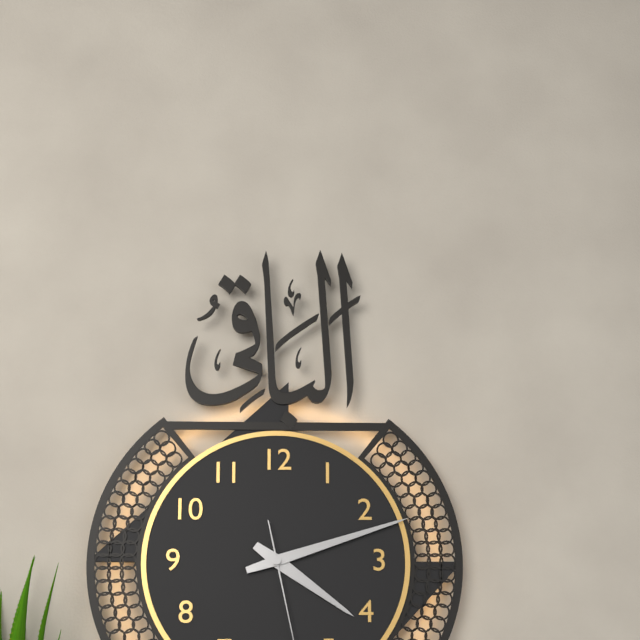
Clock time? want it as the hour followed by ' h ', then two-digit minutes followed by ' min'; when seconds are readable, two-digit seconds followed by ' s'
4 h 12 min
